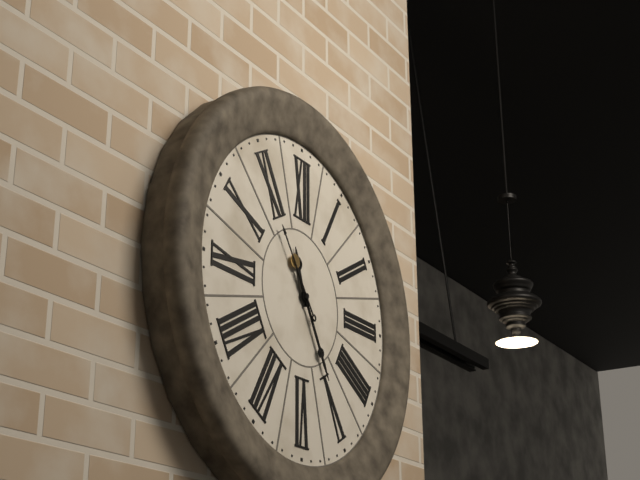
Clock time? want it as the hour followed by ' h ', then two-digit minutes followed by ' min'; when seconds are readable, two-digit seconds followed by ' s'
11 h 25 min 54 s
